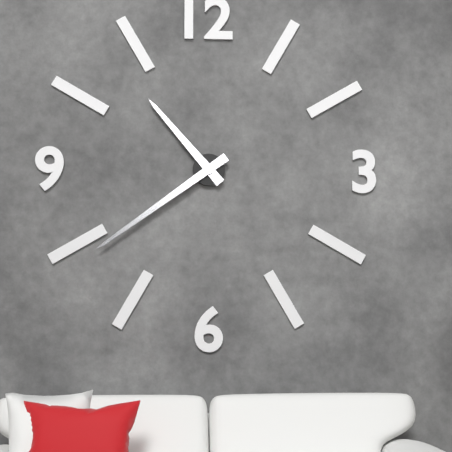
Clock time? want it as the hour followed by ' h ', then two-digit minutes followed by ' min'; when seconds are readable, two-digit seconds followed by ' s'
10 h 39 min
